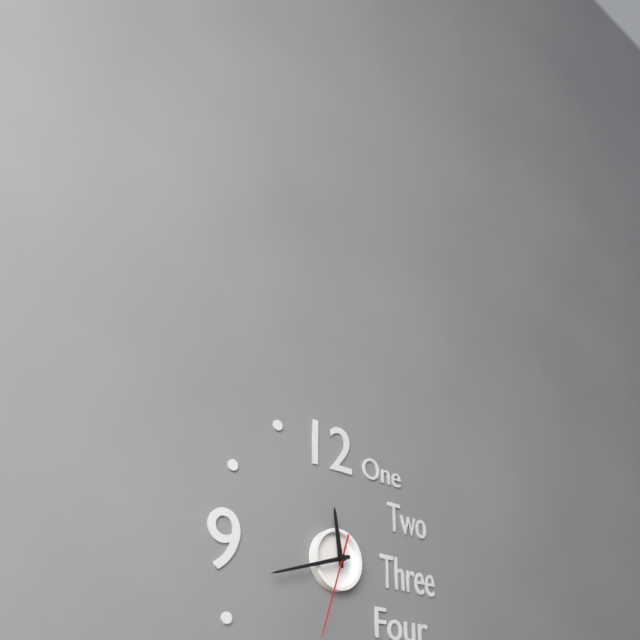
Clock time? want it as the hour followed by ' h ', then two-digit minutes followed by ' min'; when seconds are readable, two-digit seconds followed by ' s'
11 h 42 min 33 s
